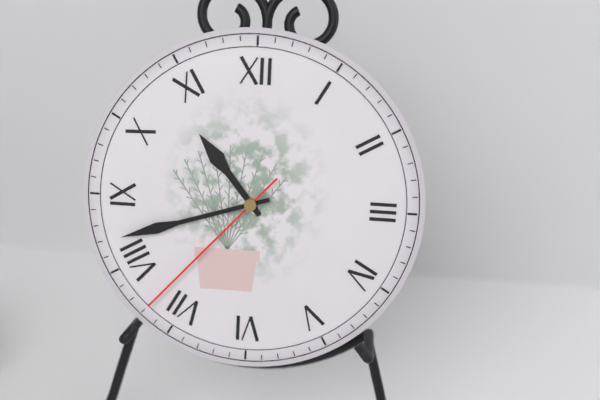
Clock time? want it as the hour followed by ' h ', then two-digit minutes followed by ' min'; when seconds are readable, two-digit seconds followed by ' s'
10 h 42 min 37 s
